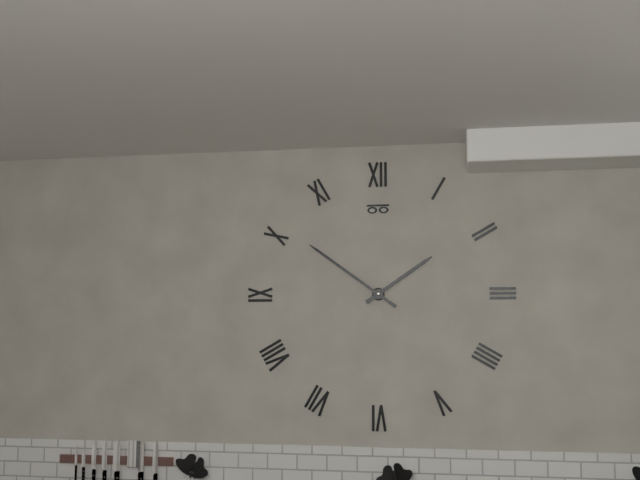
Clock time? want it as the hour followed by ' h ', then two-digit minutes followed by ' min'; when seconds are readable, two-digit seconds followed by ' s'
1 h 51 min
